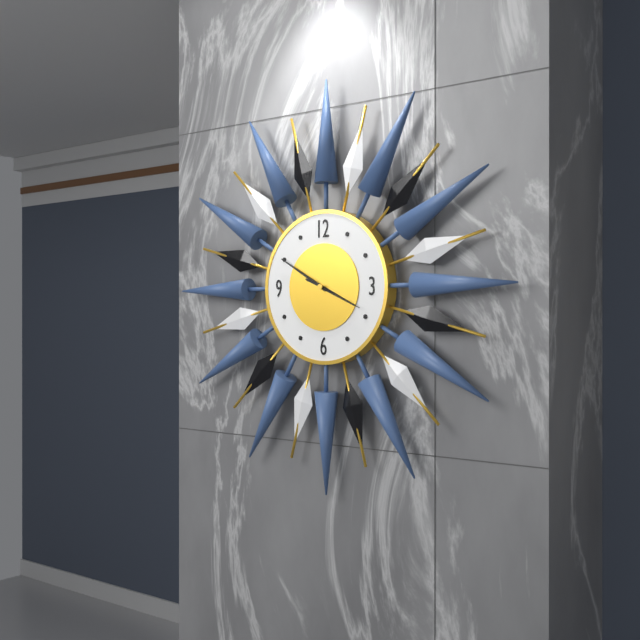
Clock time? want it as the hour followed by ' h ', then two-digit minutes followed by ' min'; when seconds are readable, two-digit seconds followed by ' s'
3 h 50 min 19 s
